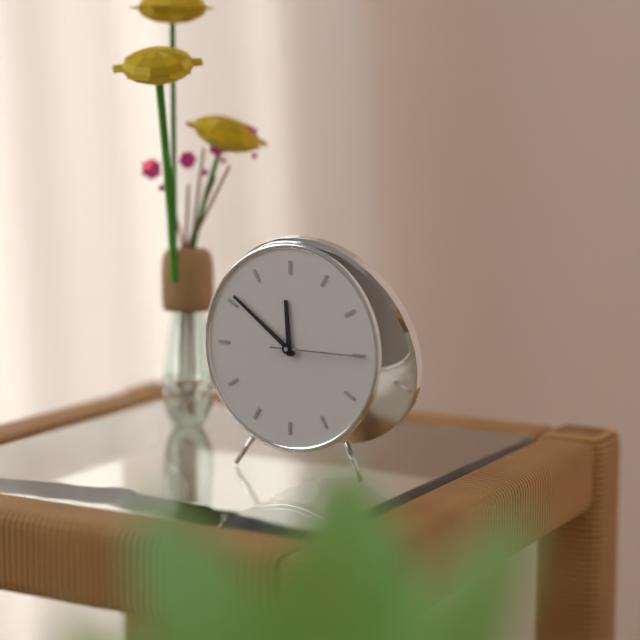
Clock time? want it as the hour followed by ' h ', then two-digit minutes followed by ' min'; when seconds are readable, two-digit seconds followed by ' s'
11 h 51 min 15 s
